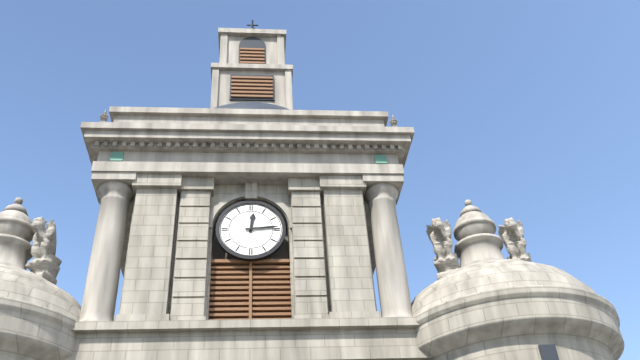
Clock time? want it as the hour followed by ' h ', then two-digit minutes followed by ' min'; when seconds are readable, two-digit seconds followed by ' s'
12 h 14 min
